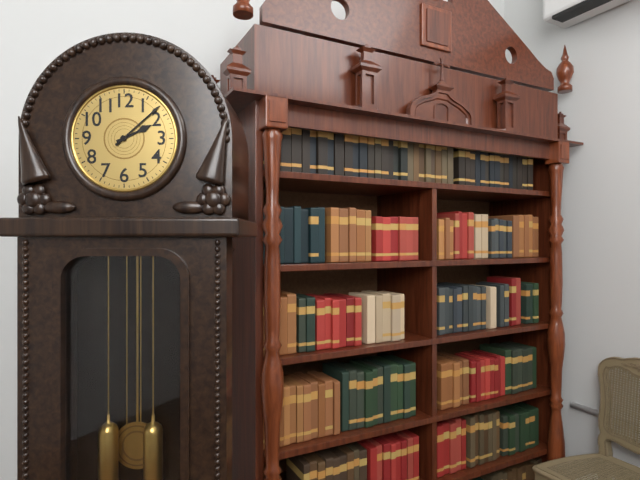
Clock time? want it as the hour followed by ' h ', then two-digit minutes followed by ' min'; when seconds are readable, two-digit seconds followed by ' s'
2 h 08 min
